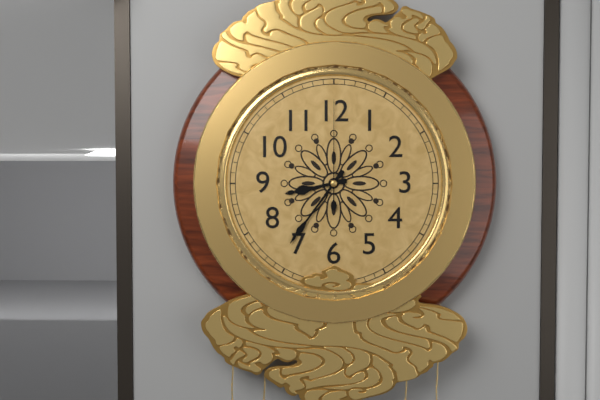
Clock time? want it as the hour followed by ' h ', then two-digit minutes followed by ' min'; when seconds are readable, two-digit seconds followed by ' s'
8 h 36 min 00 s
